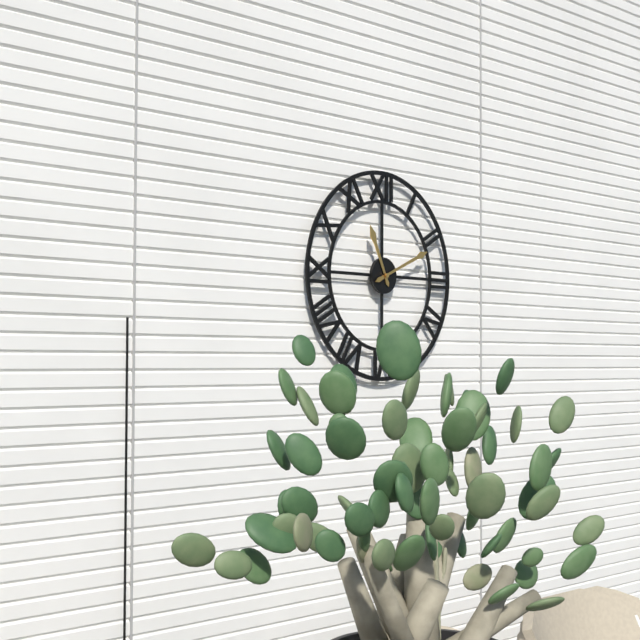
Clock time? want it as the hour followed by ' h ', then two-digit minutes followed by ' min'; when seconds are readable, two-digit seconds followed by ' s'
11 h 11 min
